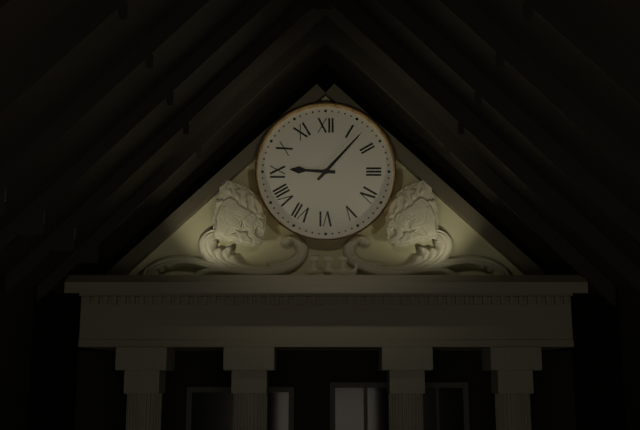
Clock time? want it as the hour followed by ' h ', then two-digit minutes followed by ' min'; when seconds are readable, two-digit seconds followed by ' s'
9 h 07 min
